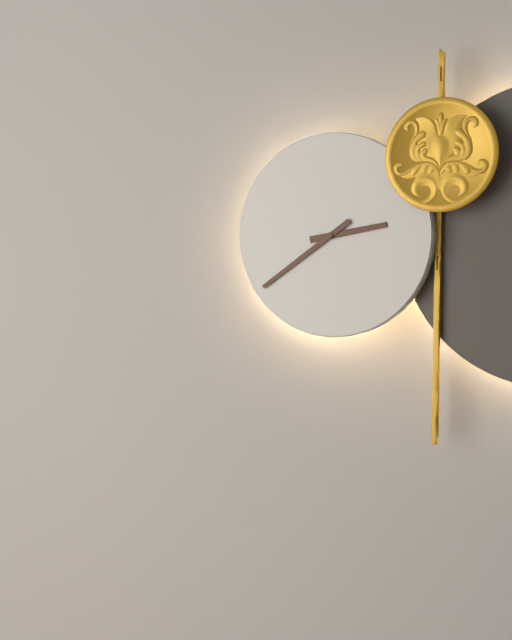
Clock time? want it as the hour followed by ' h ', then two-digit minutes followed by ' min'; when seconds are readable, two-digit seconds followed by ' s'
2 h 39 min
